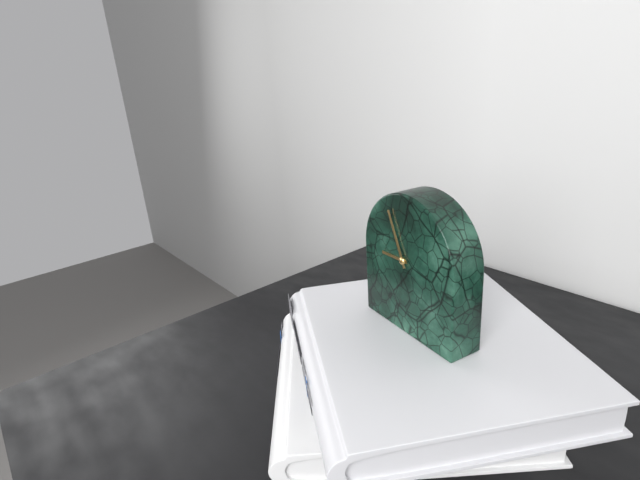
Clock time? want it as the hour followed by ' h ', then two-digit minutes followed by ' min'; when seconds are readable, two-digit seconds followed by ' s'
8 h 56 min
